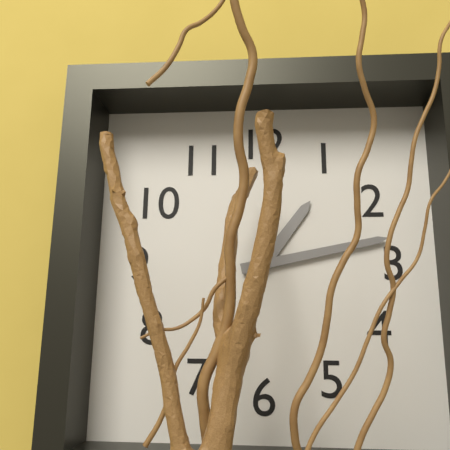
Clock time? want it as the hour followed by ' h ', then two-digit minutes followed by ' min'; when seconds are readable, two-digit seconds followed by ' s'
1 h 13 min
